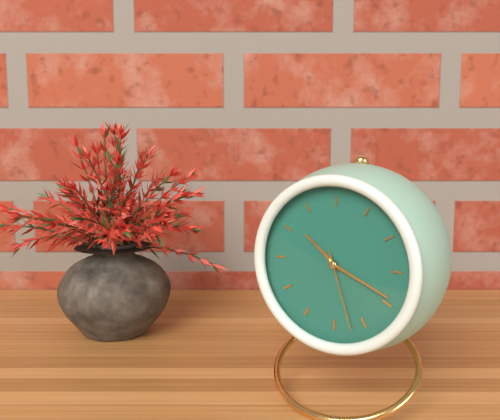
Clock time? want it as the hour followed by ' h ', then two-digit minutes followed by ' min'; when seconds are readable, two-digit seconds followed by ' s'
10 h 19 min 27 s
